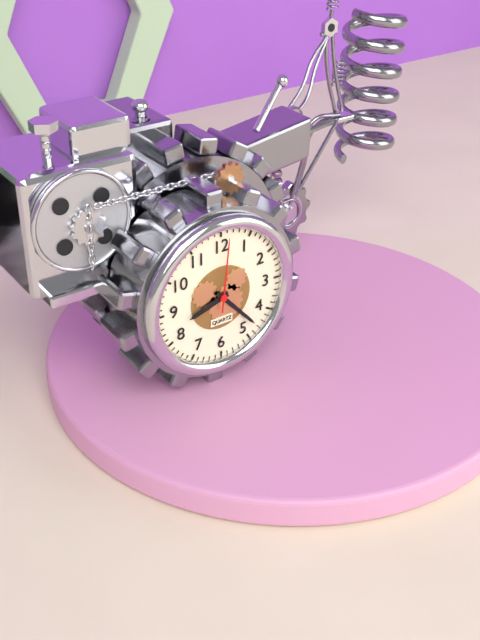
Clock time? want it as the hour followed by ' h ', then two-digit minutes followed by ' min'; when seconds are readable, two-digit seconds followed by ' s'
8 h 23 min 01 s
